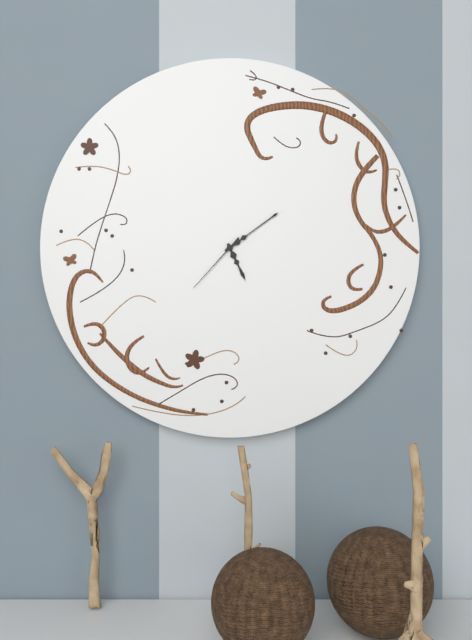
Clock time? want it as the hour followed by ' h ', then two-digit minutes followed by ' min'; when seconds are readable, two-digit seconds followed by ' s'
5 h 09 min 37 s
